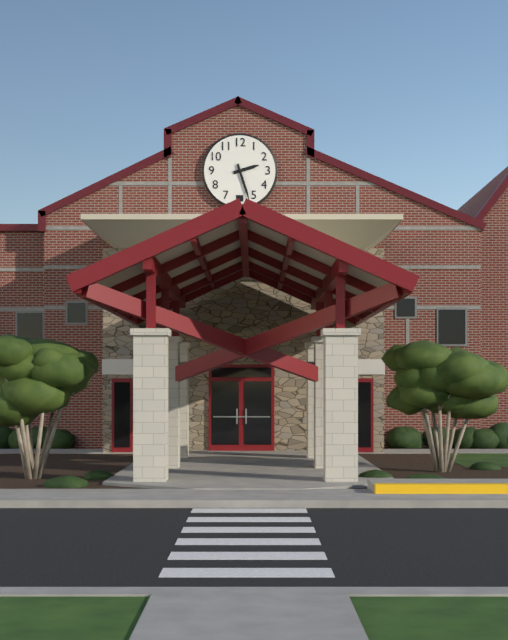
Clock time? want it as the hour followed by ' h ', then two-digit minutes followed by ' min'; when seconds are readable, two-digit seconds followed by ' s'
2 h 27 min
